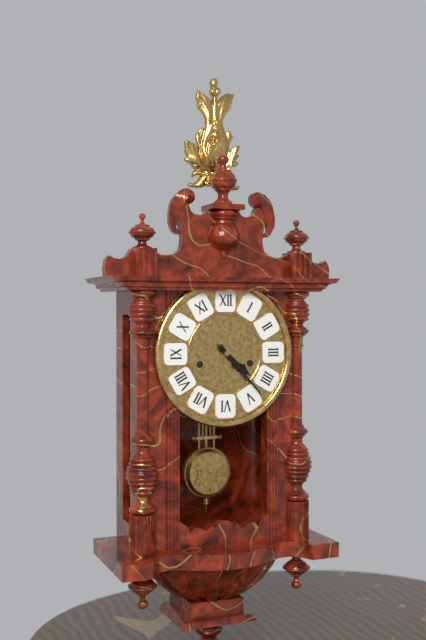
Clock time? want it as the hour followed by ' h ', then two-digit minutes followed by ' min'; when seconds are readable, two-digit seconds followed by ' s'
4 h 23 min
